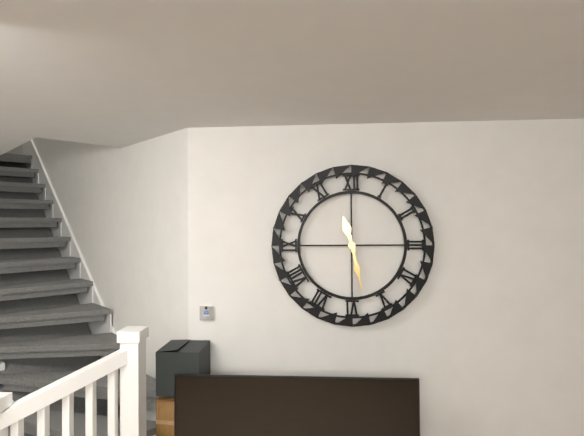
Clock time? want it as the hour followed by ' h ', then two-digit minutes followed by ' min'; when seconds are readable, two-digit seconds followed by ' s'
11 h 28 min
